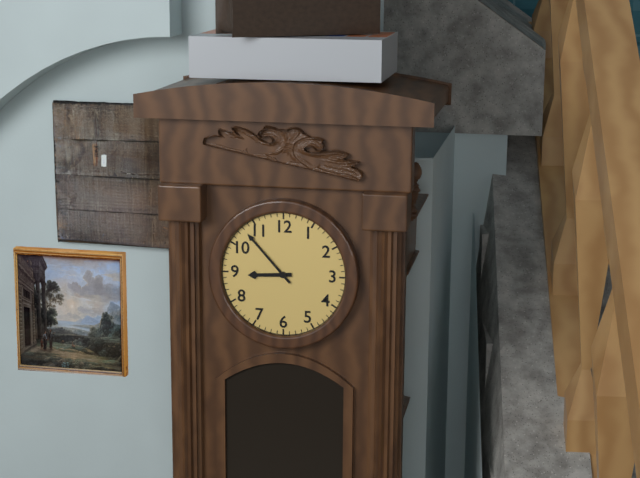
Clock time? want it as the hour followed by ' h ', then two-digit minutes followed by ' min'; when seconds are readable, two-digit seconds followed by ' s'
8 h 53 min
